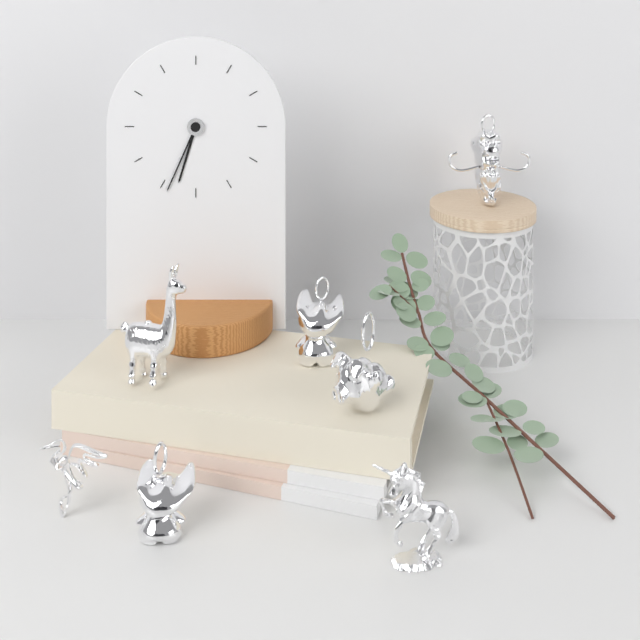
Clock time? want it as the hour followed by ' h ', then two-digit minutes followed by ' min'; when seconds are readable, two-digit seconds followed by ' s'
6 h 34 min
